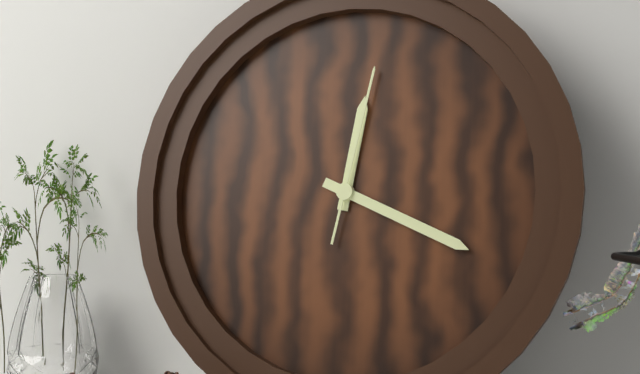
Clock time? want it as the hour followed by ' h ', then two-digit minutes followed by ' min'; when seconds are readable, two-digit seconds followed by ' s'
12 h 19 min 02 s
